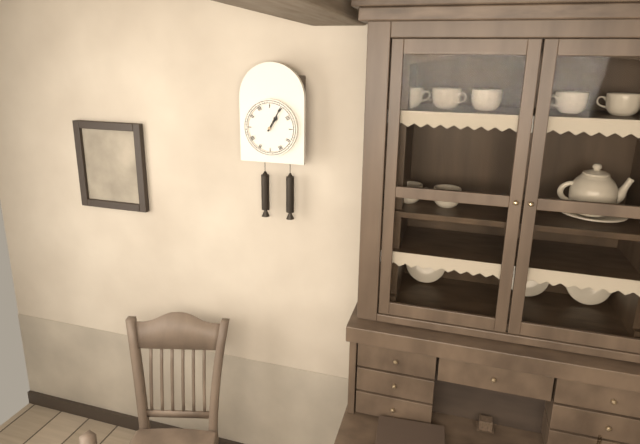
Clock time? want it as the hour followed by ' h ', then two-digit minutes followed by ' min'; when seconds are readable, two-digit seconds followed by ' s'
1 h 05 min
